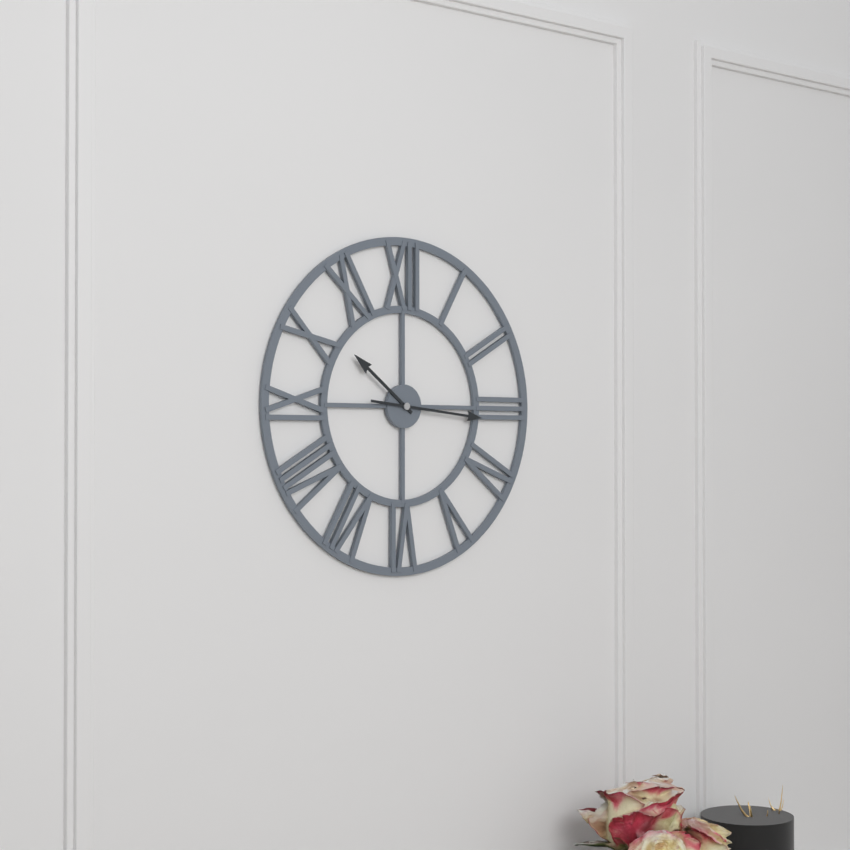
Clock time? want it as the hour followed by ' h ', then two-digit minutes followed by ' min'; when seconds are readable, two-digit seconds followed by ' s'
10 h 16 min
